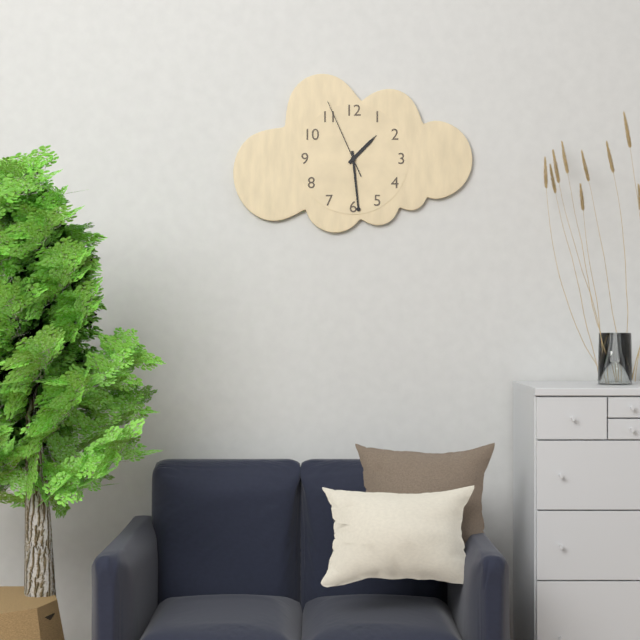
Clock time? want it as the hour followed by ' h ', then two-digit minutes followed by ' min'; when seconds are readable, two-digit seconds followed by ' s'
1 h 29 min 56 s
